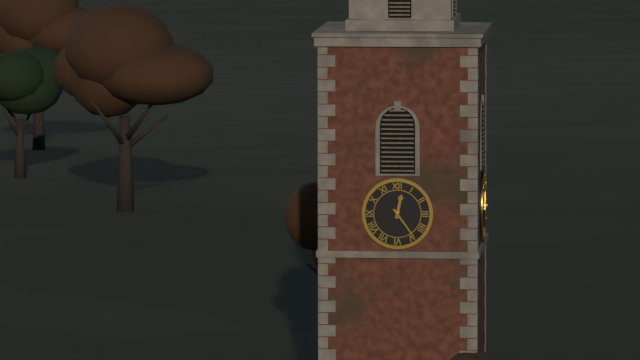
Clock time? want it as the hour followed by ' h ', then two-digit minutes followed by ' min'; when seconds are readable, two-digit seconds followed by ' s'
12 h 24 min
